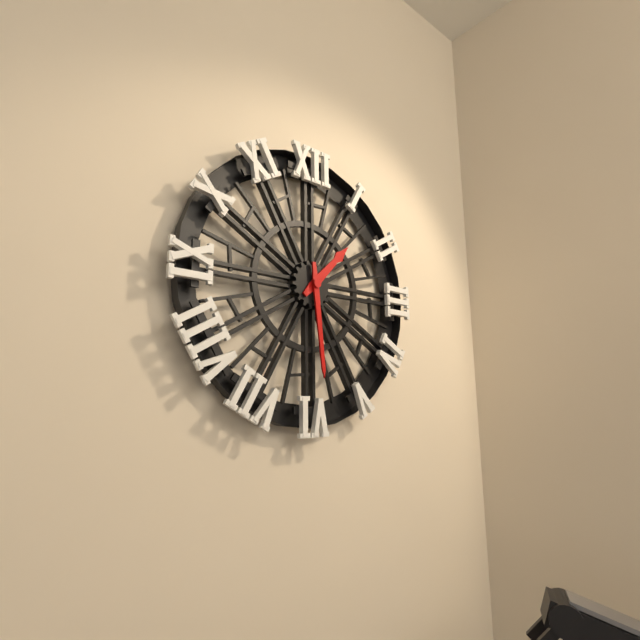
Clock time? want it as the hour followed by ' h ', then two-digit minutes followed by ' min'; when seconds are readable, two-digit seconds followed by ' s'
1 h 29 min
